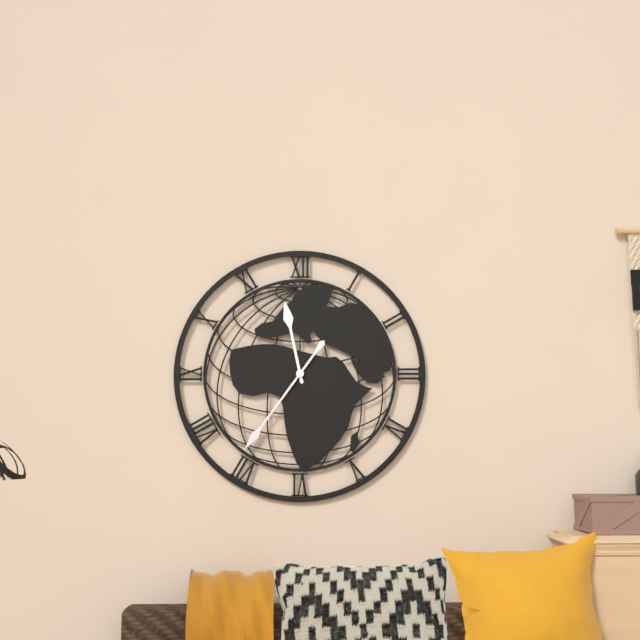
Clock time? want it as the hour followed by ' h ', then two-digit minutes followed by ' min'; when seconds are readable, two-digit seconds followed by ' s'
11 h 36 min
